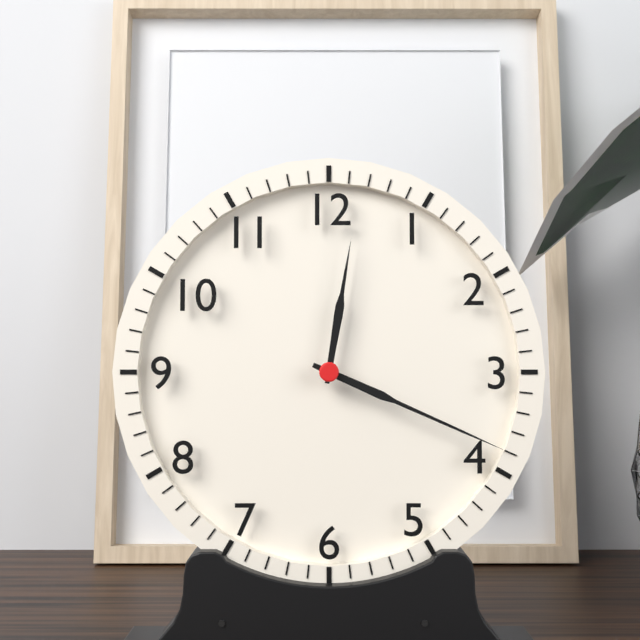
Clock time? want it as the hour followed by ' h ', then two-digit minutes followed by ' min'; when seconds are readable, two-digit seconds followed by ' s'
12 h 19 min
